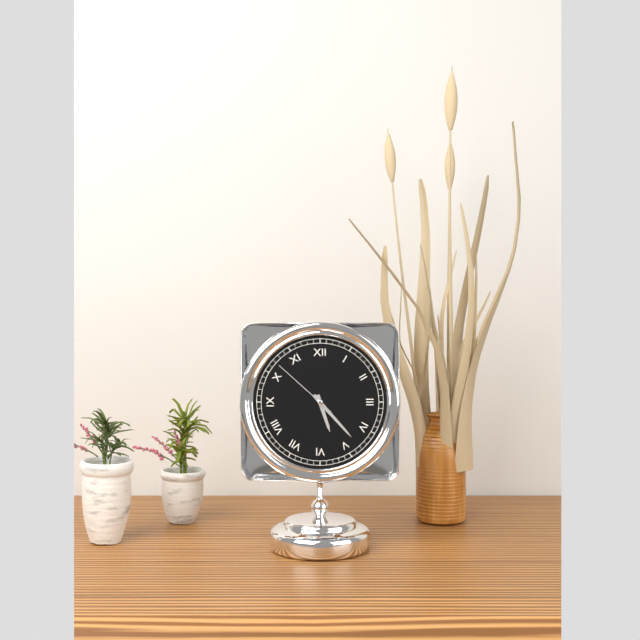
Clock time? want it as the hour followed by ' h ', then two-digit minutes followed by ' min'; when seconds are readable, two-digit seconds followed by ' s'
5 h 23 min 52 s
